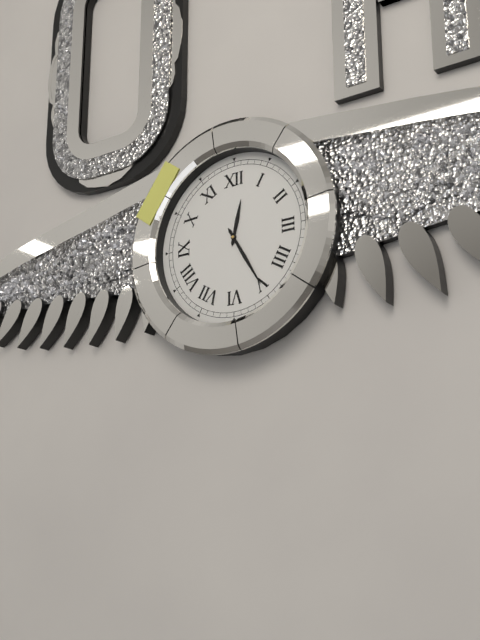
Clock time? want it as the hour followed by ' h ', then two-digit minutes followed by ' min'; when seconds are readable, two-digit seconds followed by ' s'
12 h 25 min
